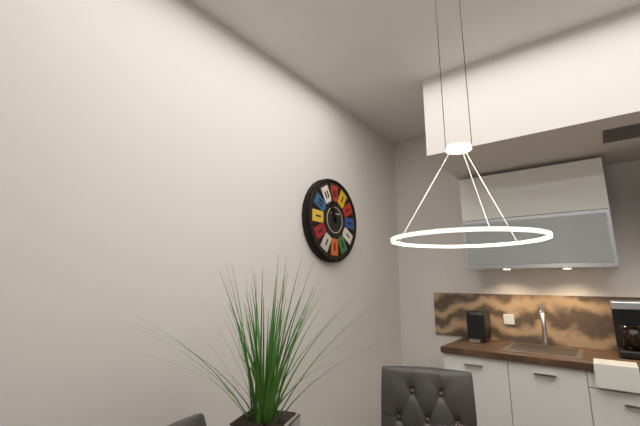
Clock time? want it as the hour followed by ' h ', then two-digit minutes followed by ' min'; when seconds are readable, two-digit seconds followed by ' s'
10 h 57 min
